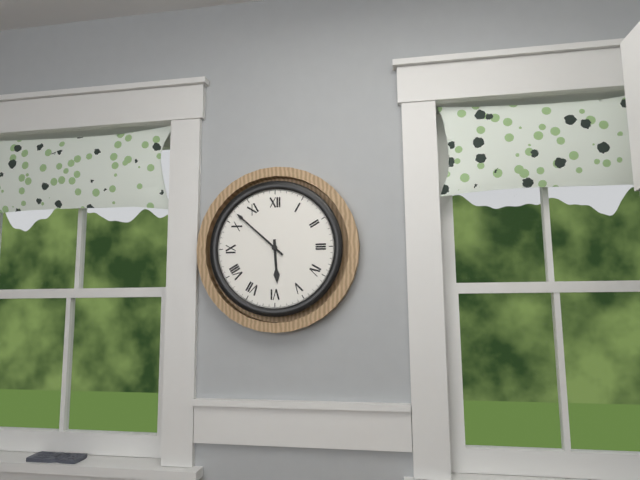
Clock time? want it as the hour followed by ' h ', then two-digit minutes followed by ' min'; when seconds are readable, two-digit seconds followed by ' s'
5 h 52 min
